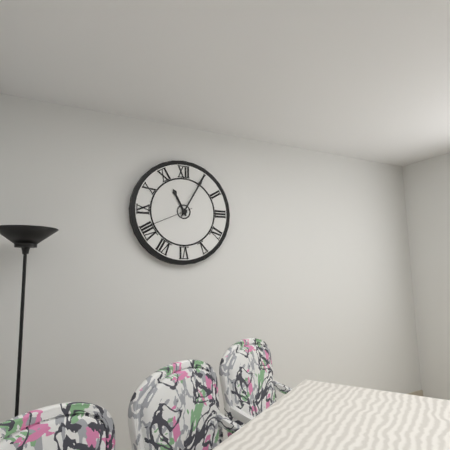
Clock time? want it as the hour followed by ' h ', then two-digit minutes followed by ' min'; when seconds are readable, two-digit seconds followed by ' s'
11 h 05 min 41 s
